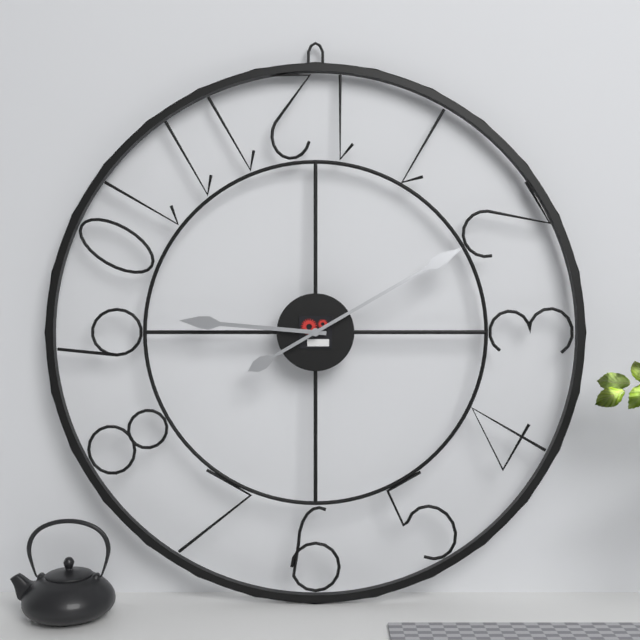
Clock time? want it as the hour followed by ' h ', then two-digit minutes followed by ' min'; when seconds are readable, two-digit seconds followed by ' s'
9 h 10 min
